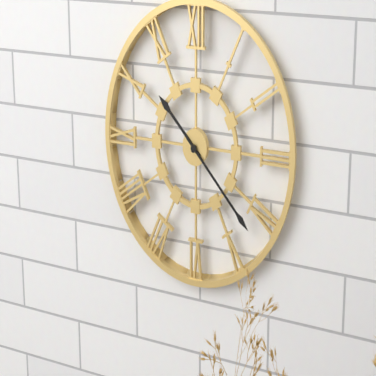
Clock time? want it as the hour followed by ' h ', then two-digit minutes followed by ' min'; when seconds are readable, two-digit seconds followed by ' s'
10 h 22 min
